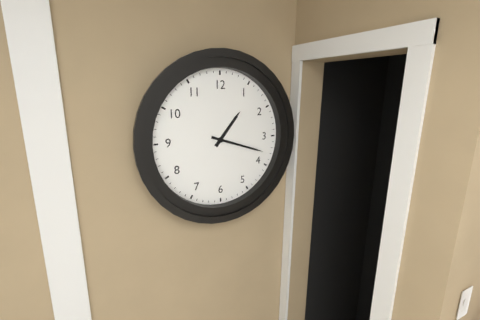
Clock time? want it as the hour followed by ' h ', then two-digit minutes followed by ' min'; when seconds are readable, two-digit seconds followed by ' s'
1 h 18 min
